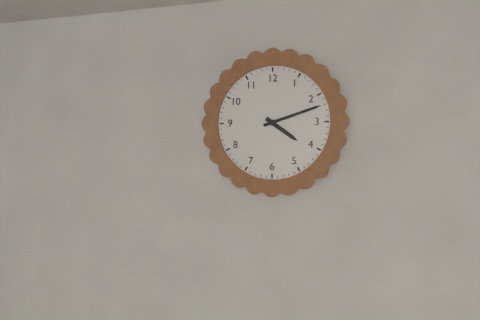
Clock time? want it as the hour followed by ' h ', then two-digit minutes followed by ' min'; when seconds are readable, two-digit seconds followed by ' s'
4 h 12 min
